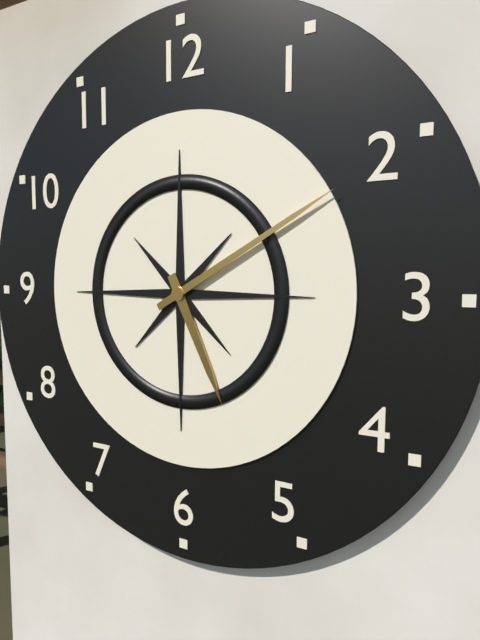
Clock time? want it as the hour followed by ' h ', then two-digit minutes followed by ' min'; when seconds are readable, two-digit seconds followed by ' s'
5 h 10 min
